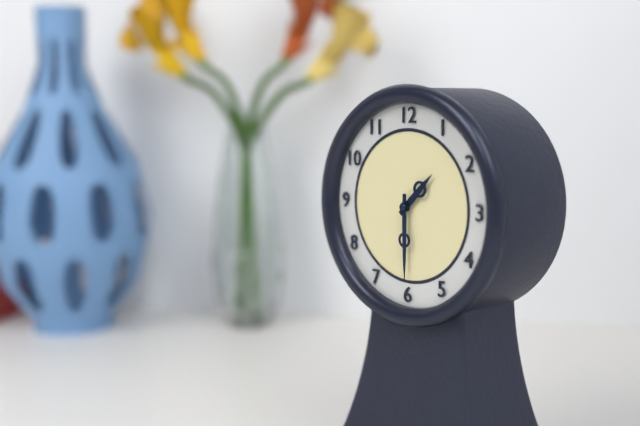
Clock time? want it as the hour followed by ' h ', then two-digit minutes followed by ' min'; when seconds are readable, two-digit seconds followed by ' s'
1 h 30 min
